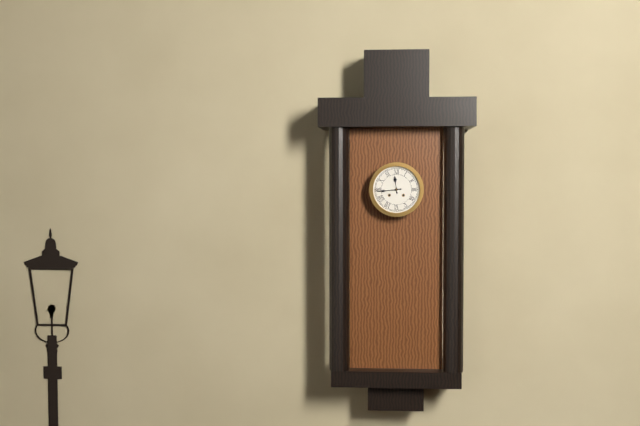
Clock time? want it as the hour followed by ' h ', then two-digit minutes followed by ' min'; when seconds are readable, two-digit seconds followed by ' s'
11 h 44 min
